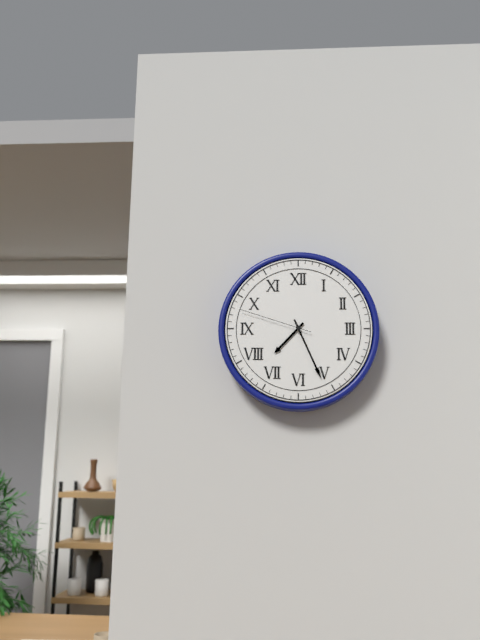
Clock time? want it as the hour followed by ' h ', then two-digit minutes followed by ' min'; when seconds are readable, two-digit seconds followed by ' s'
7 h 26 min 48 s
